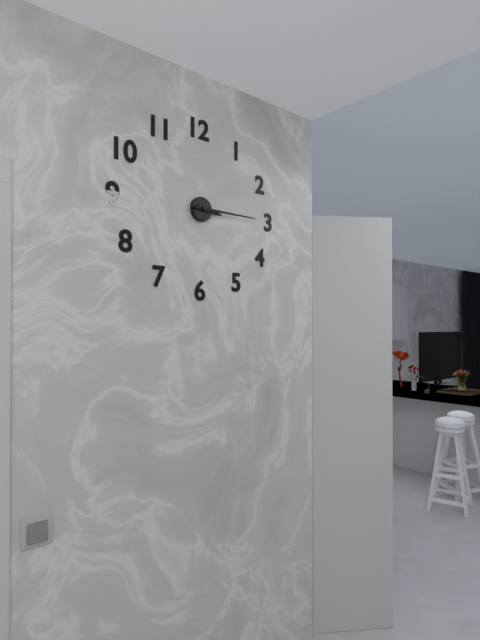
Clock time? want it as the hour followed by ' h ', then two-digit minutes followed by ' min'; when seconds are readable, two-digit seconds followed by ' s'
3 h 15 min
